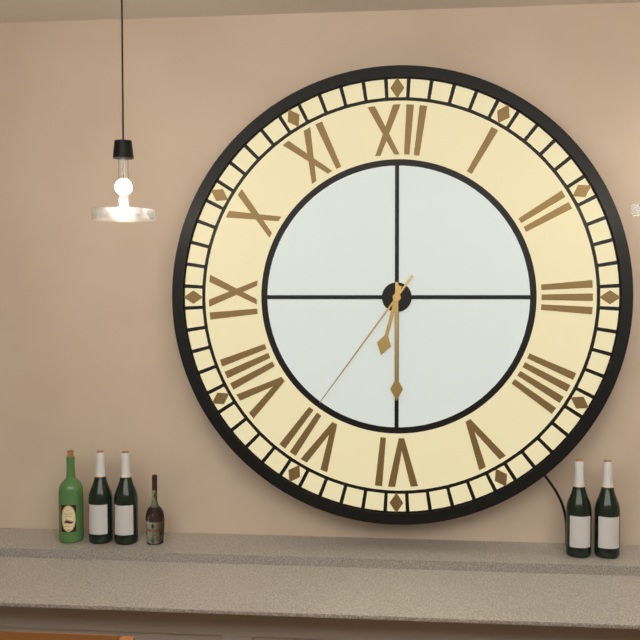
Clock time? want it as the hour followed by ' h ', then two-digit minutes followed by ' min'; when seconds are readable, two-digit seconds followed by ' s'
6 h 30 min 36 s
